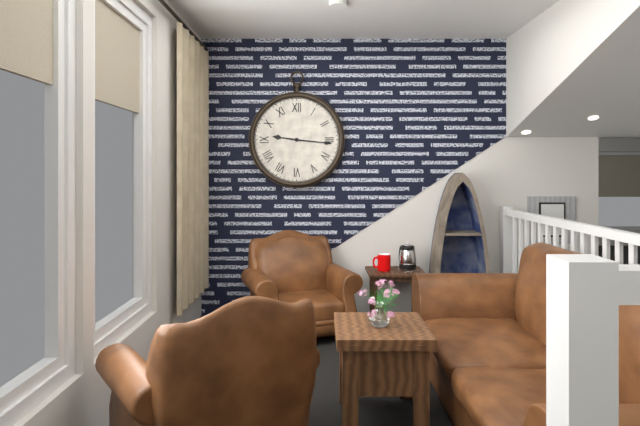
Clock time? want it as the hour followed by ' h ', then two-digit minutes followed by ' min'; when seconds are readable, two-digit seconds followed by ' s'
9 h 16 min
